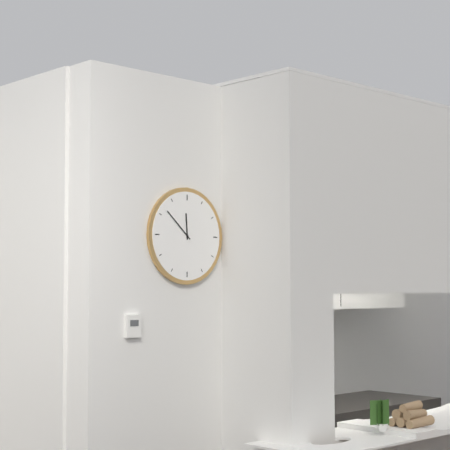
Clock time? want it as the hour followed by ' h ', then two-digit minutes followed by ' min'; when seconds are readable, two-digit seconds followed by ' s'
11 h 52 min
